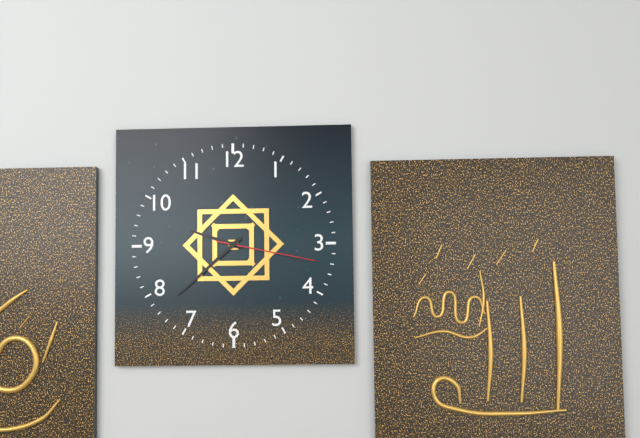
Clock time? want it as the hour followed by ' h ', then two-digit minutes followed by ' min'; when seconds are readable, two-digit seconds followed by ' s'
9 h 38 min 17 s
